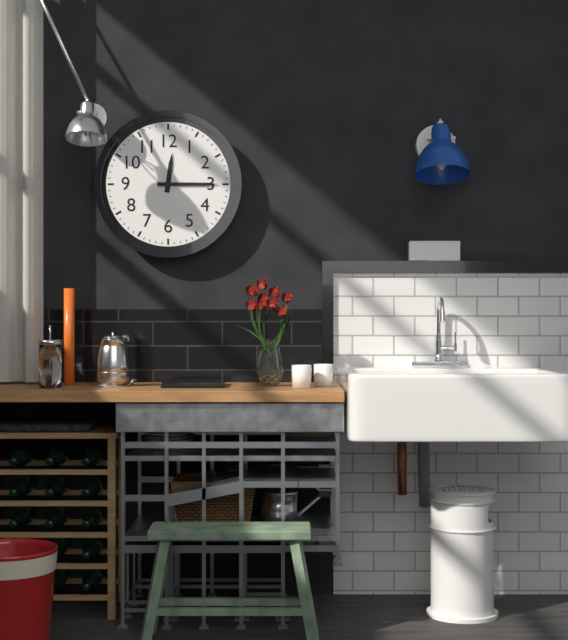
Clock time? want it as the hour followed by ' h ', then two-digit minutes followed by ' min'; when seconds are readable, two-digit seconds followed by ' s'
12 h 15 min
